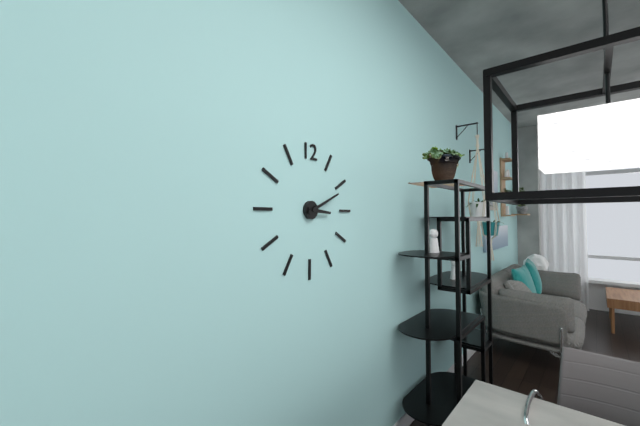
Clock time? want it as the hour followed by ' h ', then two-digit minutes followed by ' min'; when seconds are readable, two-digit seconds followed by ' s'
3 h 11 min
